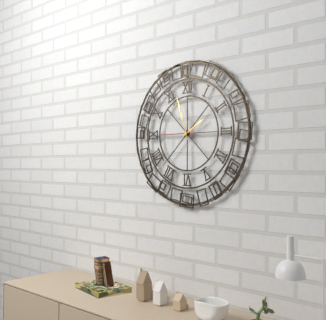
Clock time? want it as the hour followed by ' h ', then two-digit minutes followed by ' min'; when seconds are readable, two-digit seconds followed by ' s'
1 h 57 min
